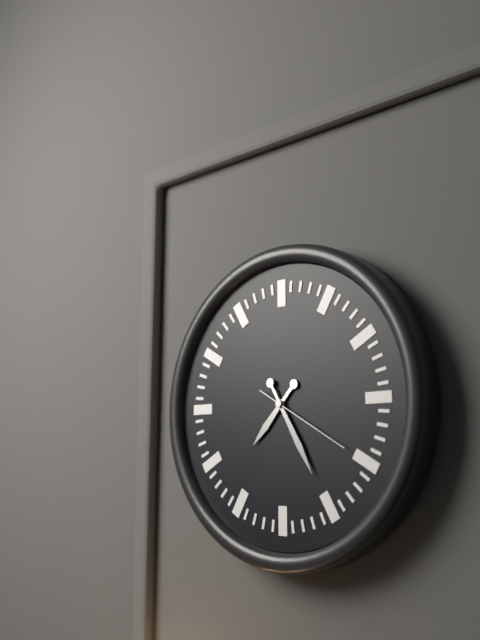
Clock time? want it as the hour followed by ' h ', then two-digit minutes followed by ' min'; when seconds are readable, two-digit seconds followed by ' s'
7 h 25 min 20 s
